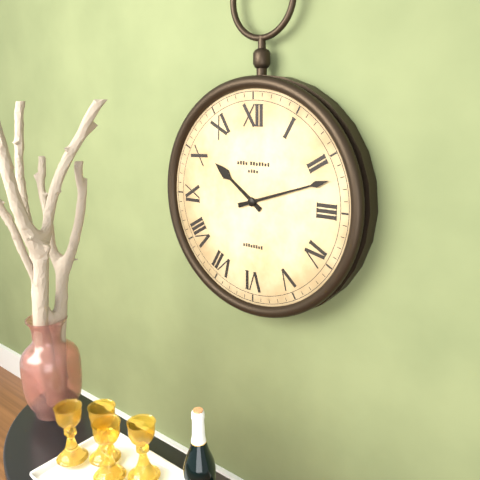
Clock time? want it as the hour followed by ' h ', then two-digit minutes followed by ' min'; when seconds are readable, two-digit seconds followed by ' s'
10 h 12 min
